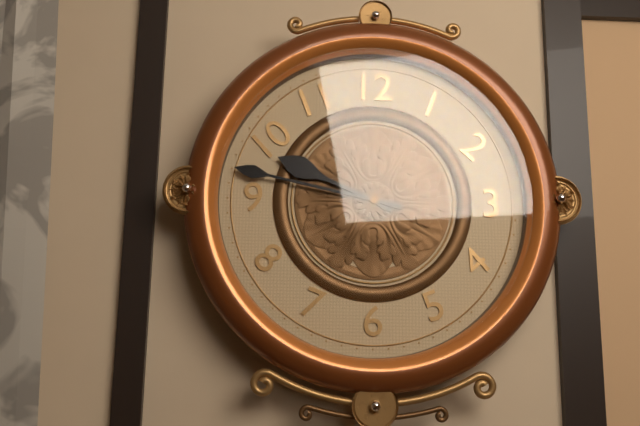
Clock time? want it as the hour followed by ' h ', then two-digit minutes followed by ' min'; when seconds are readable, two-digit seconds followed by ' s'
9 h 47 min
